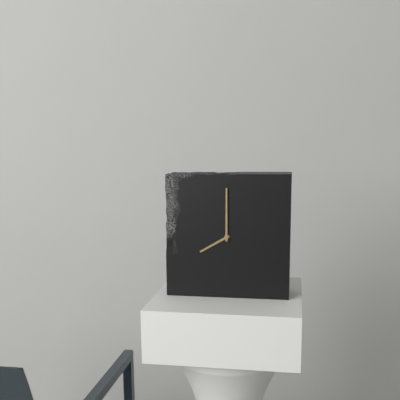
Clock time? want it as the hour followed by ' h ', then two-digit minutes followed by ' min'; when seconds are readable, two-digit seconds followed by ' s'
8 h 00 min
